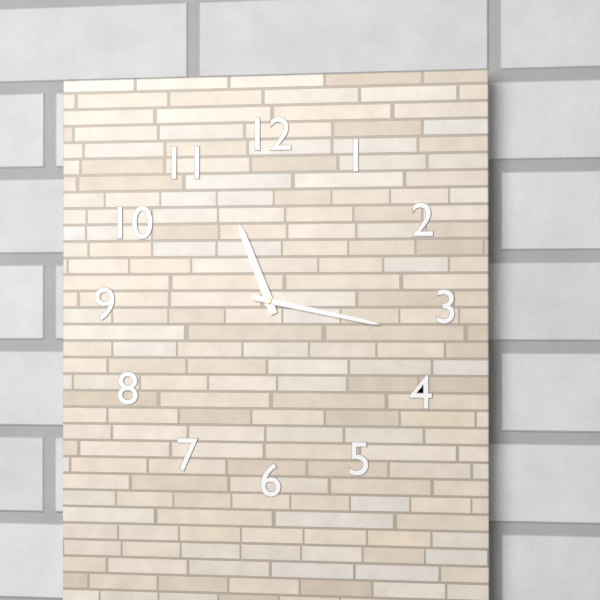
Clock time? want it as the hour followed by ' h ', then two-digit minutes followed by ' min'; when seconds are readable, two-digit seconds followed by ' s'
11 h 17 min
